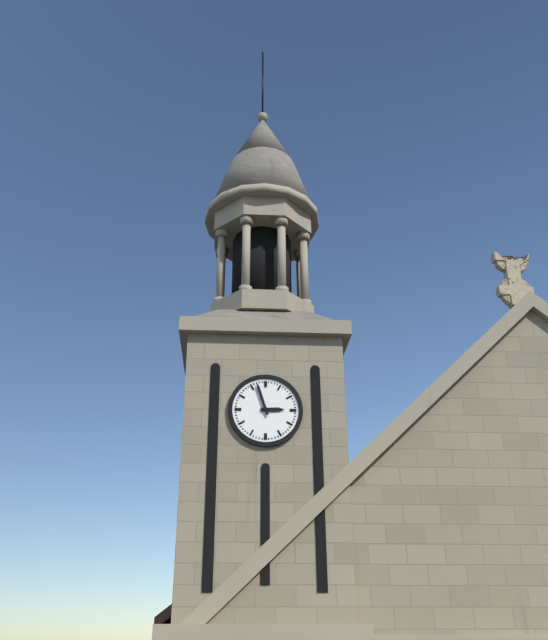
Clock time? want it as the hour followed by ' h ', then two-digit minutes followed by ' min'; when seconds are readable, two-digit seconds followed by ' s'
2 h 57 min
